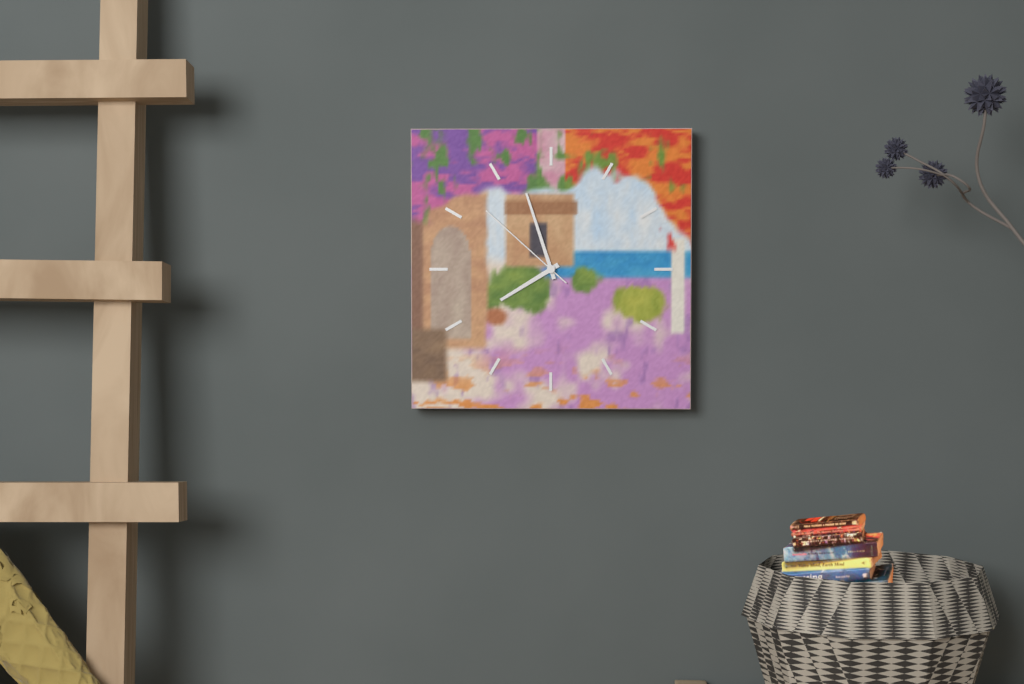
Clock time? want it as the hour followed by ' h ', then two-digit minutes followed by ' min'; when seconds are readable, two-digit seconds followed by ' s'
7 h 57 min 52 s
